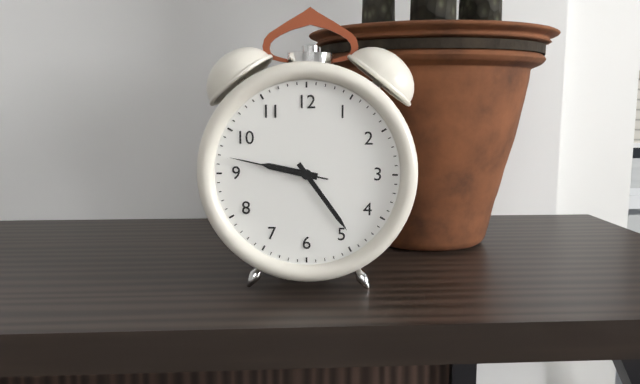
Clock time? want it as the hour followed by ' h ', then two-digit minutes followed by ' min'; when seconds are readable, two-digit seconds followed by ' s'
9 h 24 min 47 s
